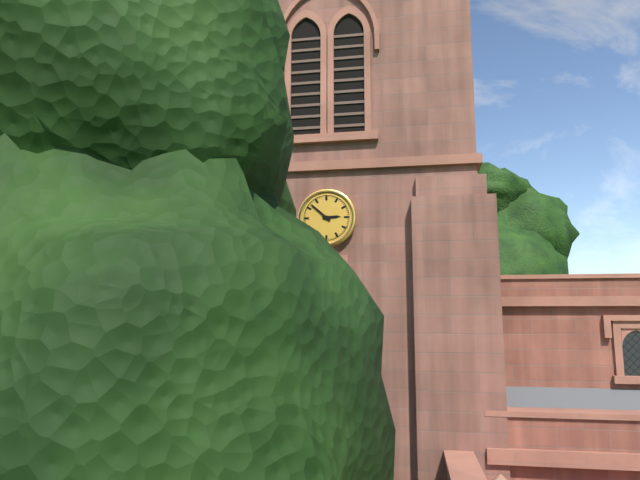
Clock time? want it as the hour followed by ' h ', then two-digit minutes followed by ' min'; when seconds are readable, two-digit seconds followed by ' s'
2 h 52 min
